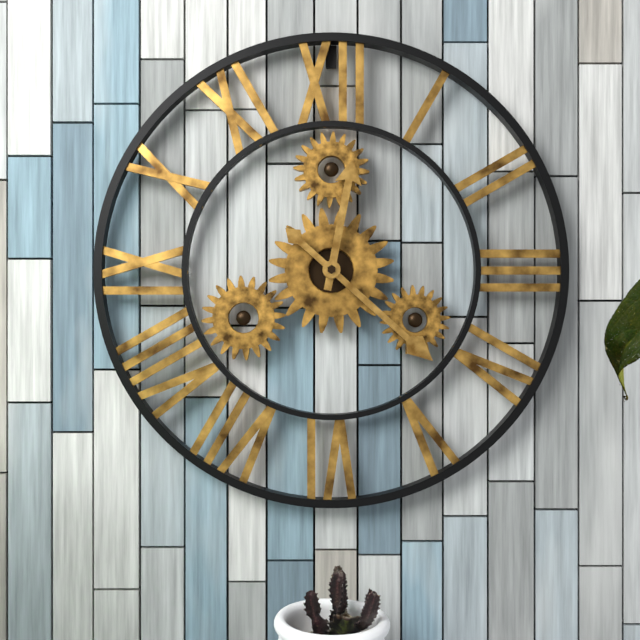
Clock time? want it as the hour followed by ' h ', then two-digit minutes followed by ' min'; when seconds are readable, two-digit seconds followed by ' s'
12 h 22 min
